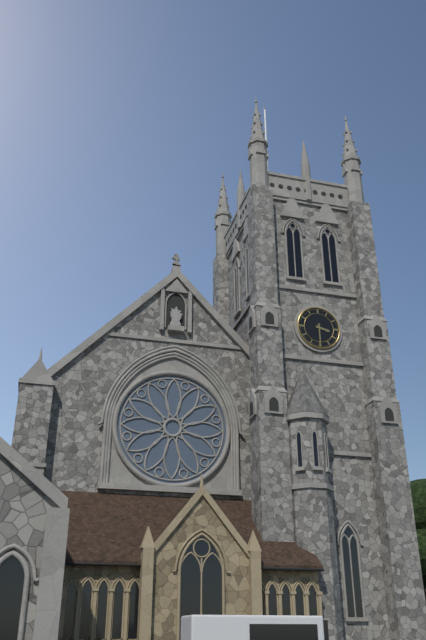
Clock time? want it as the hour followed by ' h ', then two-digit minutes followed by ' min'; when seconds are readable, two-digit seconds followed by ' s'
3 h 30 min
